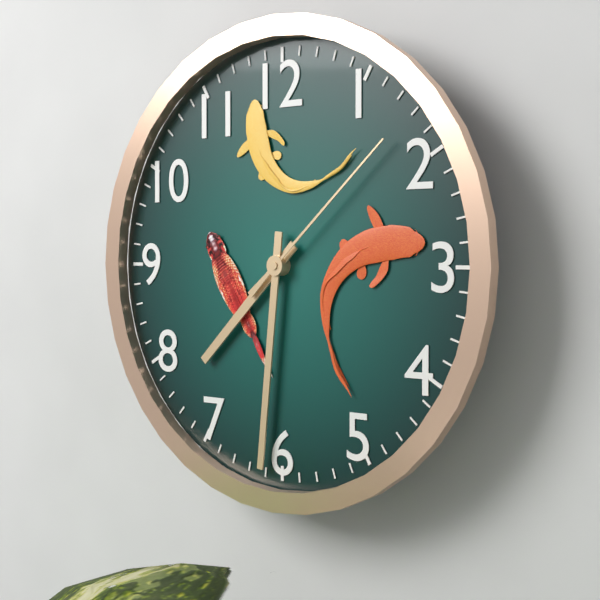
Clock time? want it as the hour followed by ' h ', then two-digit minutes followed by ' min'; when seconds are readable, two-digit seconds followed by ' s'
7 h 31 min 08 s
